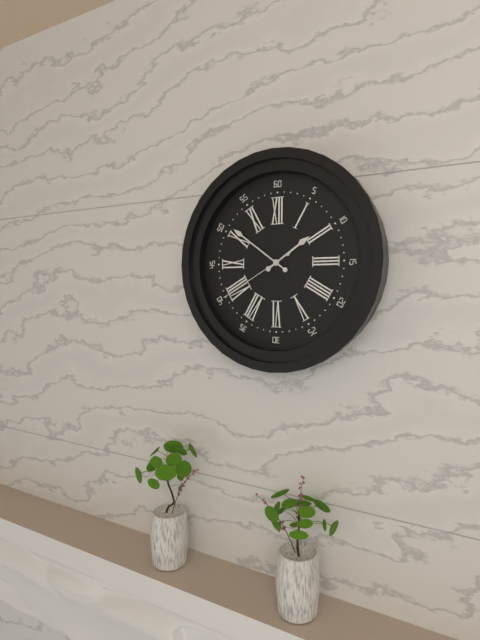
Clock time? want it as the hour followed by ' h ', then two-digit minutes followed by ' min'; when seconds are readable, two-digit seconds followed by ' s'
1 h 51 min 40 s
